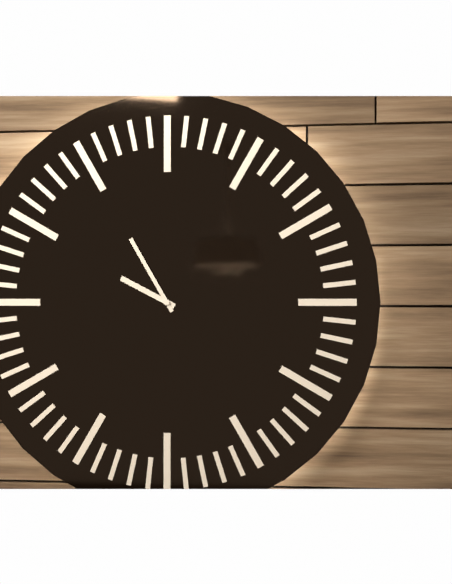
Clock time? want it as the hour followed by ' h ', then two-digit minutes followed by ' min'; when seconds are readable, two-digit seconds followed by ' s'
9 h 55 min
